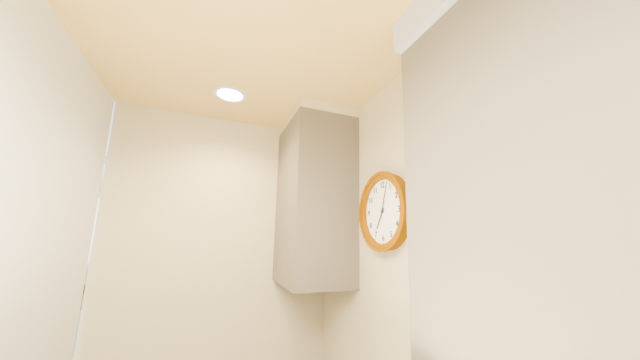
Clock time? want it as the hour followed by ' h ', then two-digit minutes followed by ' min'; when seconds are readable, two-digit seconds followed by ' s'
7 h 03 min
